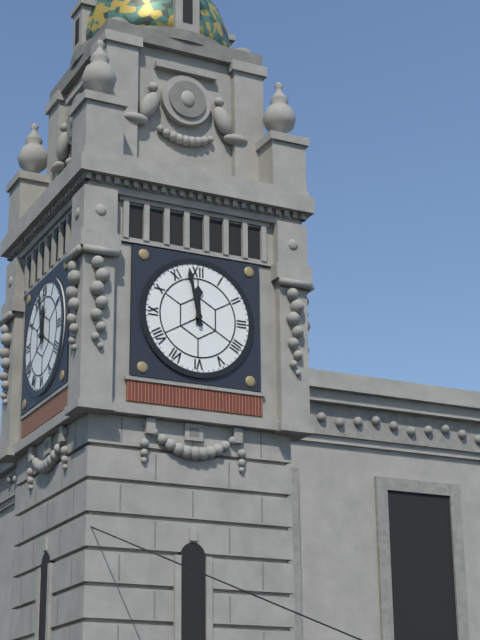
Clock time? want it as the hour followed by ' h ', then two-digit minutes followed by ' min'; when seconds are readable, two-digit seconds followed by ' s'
11 h 58 min
